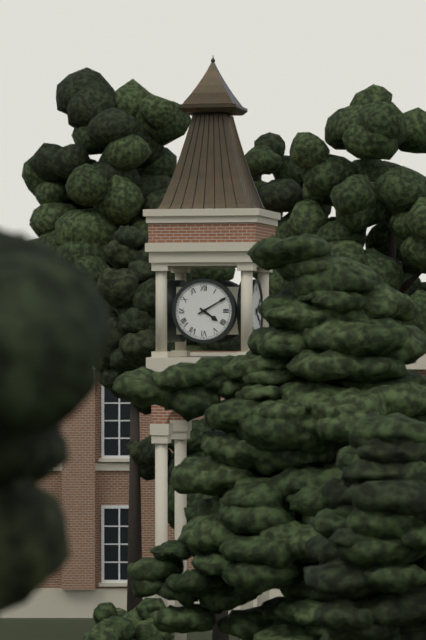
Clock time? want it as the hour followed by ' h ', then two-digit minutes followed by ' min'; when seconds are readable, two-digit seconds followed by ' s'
4 h 10 min
